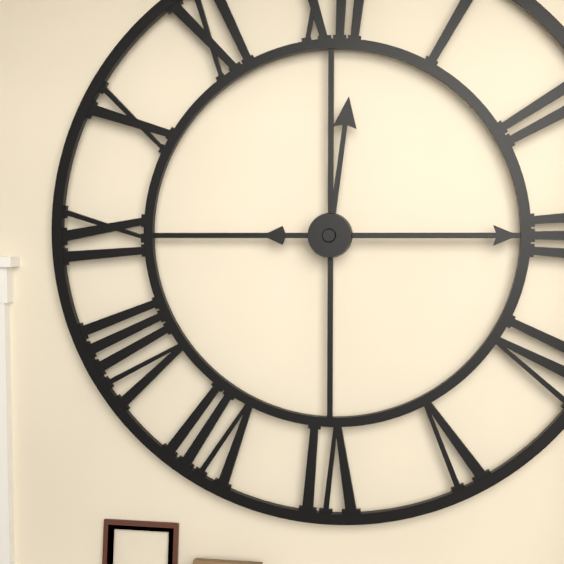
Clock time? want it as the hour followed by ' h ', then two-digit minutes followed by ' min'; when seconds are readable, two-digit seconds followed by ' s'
12 h 15 min
